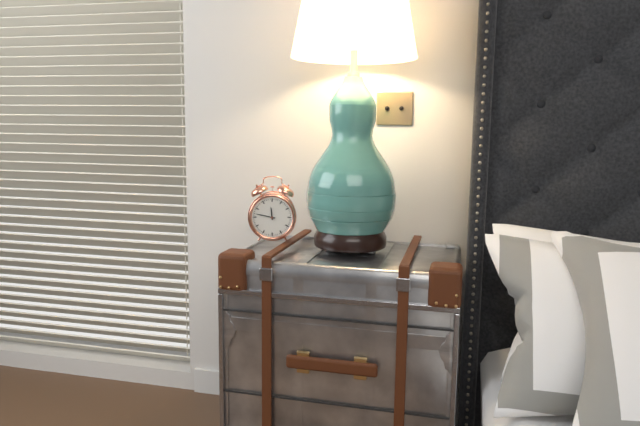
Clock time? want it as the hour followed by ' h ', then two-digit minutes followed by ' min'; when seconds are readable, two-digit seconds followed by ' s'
11 h 47 min
